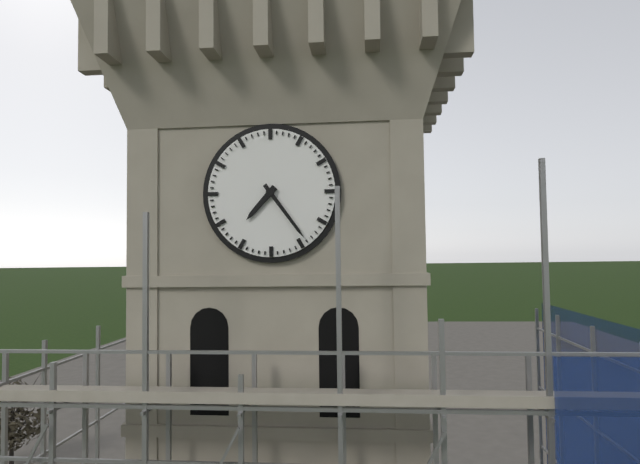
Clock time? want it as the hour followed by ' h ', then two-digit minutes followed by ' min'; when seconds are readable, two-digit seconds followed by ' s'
7 h 24 min
